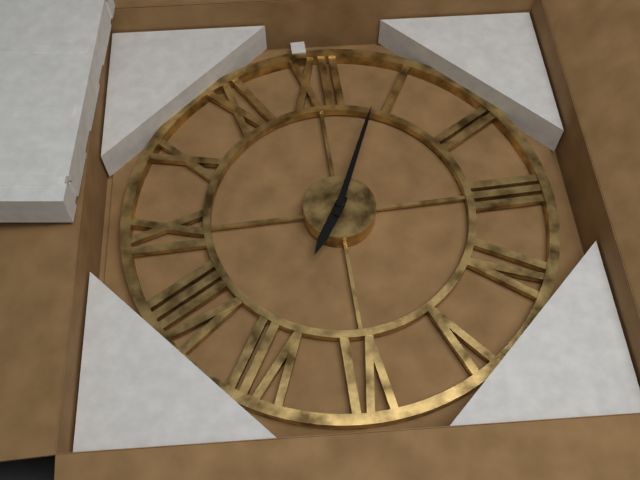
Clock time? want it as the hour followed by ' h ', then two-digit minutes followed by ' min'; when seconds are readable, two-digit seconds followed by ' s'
7 h 04 min
